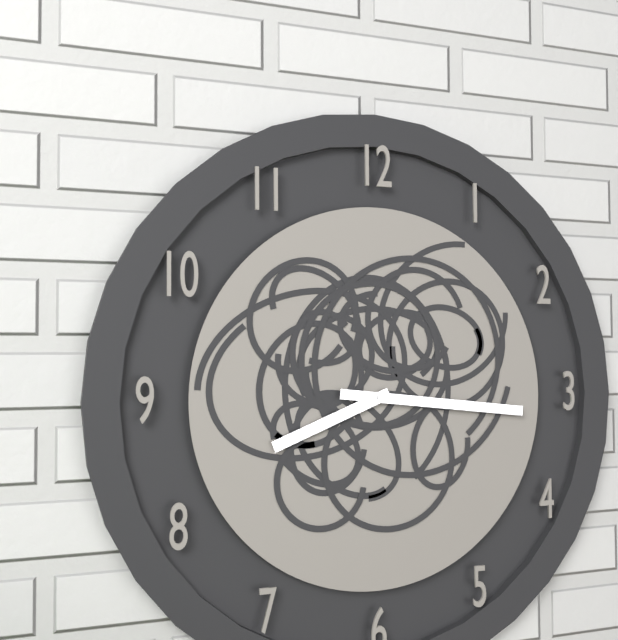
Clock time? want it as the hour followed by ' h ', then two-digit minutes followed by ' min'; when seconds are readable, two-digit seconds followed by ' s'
8 h 16 min
